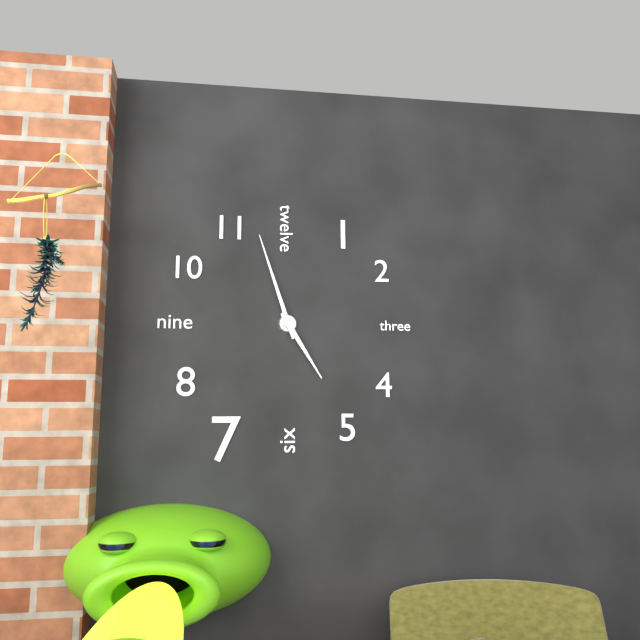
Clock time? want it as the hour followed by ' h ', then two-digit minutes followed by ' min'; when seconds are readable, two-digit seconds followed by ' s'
4 h 57 min
